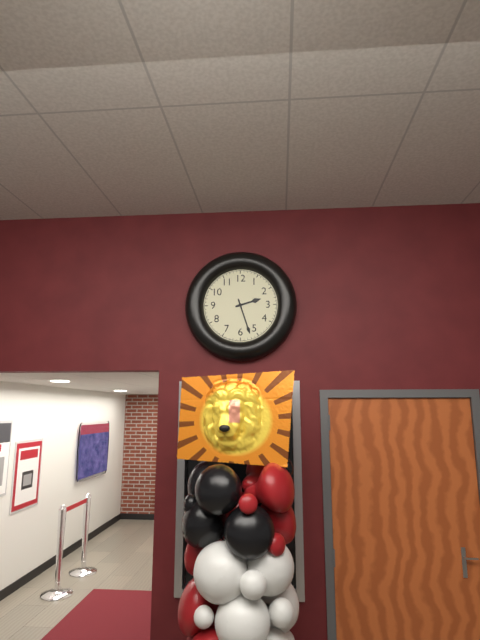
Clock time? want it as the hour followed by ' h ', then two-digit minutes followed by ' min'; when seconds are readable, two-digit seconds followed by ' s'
2 h 27 min
